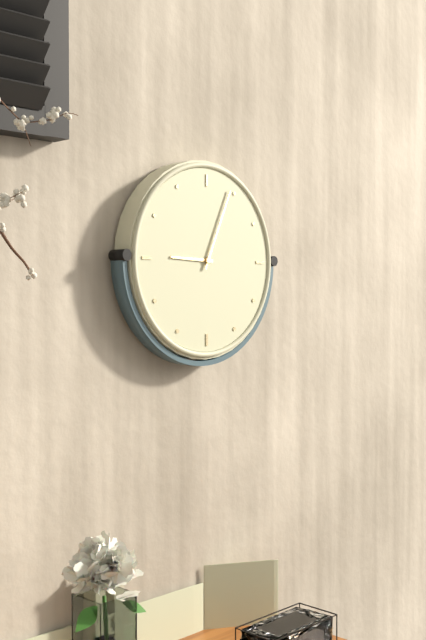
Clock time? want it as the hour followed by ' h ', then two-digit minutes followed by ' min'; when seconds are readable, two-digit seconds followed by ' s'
9 h 04 min
